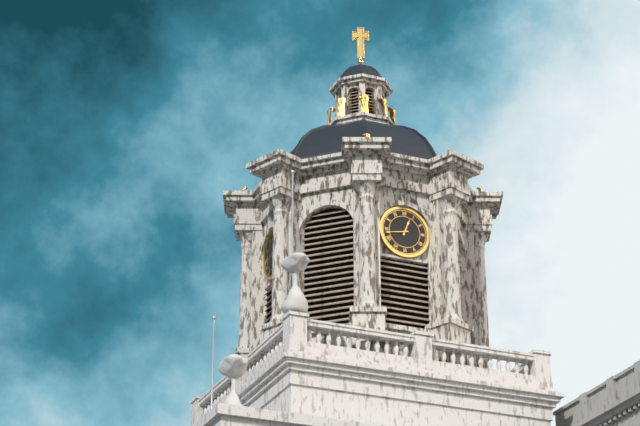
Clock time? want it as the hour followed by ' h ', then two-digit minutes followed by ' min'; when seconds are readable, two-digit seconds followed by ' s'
12 h 43 min
